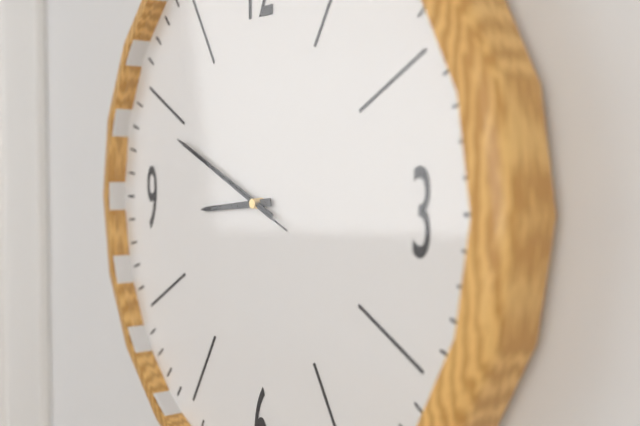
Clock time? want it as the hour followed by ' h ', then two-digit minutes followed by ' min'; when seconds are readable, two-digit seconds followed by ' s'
8 h 49 min 49 s
